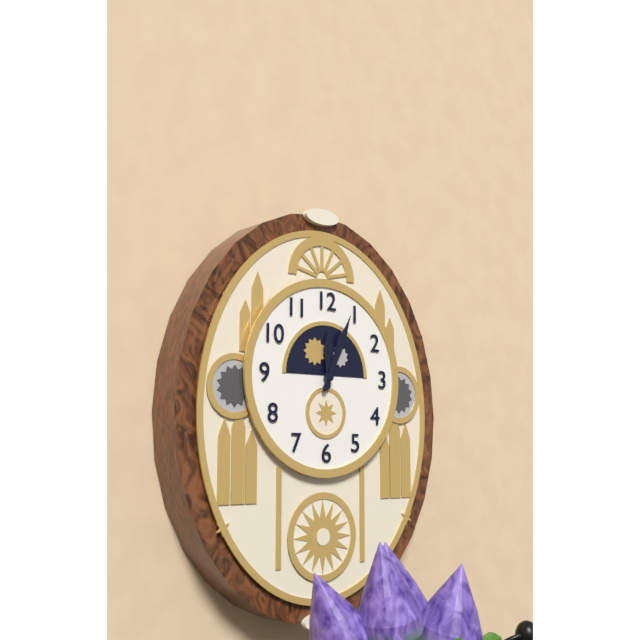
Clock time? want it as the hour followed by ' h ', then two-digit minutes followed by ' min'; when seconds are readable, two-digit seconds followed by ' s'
12 h 04 min
